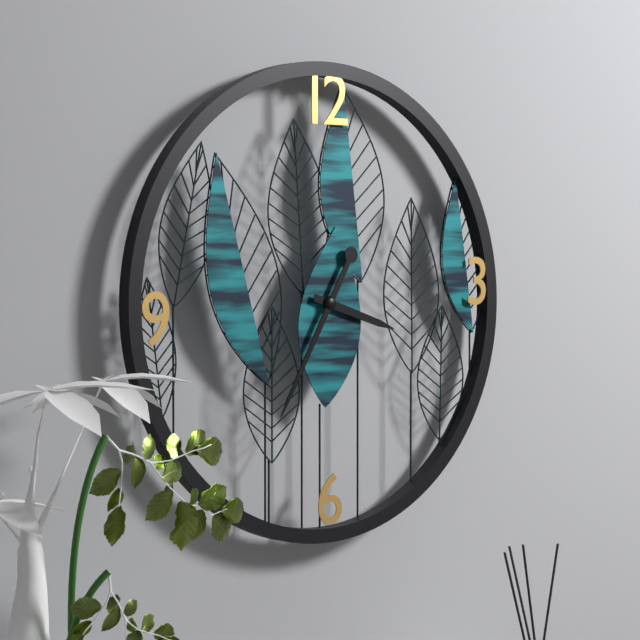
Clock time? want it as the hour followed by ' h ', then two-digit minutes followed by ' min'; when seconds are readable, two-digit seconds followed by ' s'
3 h 35 min
